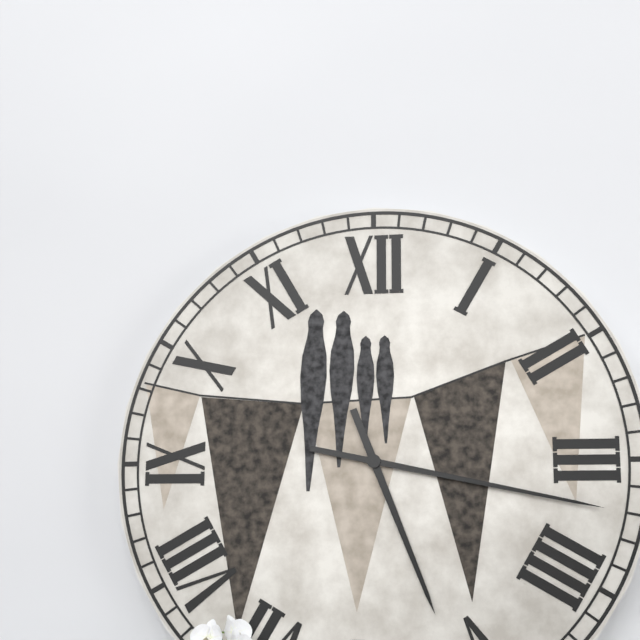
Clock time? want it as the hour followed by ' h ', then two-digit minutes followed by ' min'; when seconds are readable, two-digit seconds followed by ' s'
5 h 17 min
